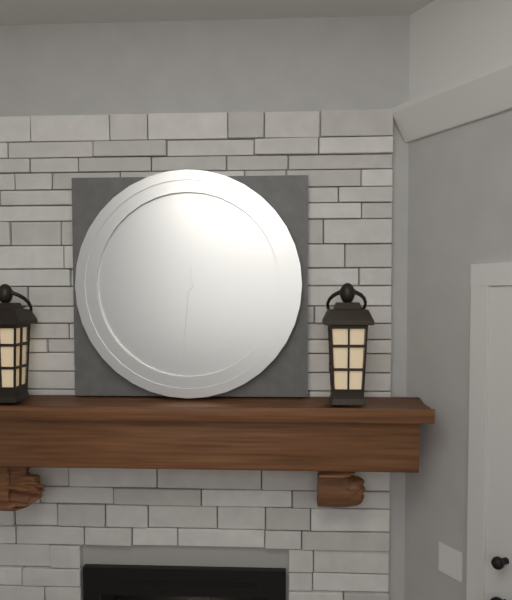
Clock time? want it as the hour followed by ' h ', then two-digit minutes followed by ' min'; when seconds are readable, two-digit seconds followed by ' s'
1 h 31 min
